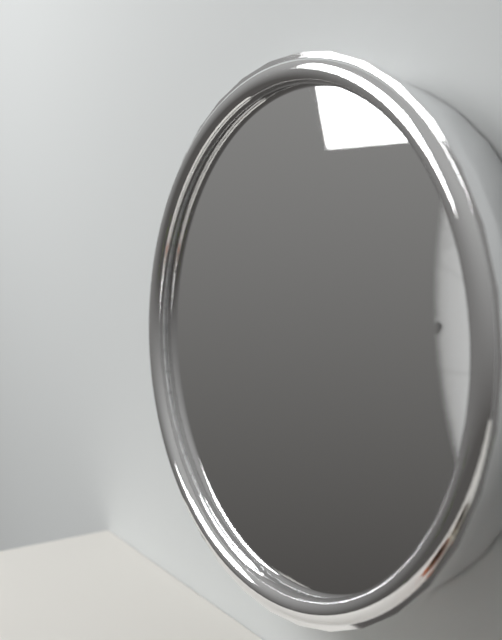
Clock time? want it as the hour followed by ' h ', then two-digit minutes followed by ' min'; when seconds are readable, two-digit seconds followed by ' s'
4 h 33 min
